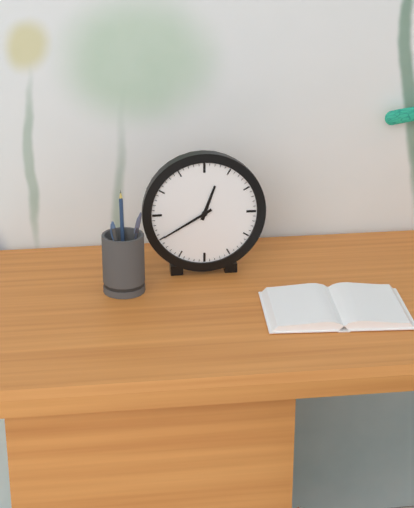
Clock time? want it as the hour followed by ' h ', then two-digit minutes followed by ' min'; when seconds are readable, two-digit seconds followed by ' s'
12 h 40 min
